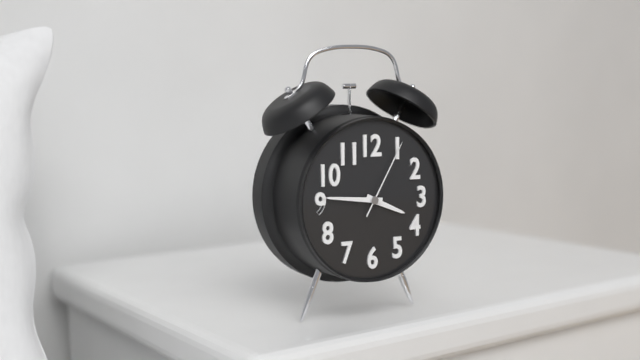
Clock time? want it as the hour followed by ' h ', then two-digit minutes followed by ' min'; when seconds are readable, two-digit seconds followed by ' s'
3 h 46 min 05 s
